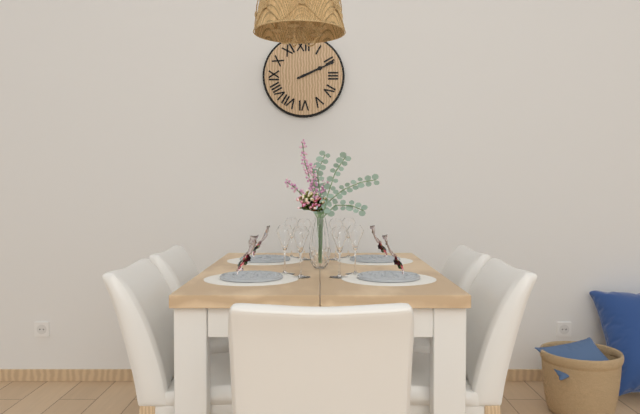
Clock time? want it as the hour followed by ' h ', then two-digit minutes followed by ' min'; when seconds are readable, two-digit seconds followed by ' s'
2 h 11 min
